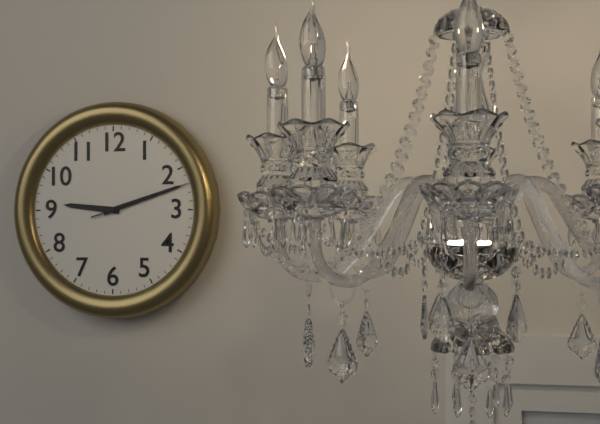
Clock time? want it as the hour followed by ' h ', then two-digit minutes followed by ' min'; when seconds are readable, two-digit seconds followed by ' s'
9 h 12 min 12 s
